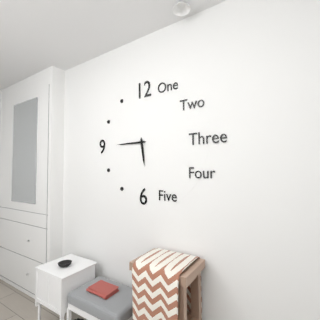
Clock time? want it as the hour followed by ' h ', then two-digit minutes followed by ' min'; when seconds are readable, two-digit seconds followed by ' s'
5 h 45 min
